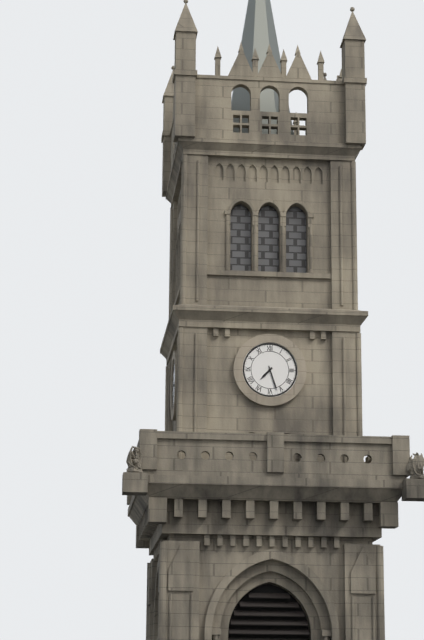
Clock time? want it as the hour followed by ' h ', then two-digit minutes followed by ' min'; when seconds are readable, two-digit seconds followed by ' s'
7 h 27 min
